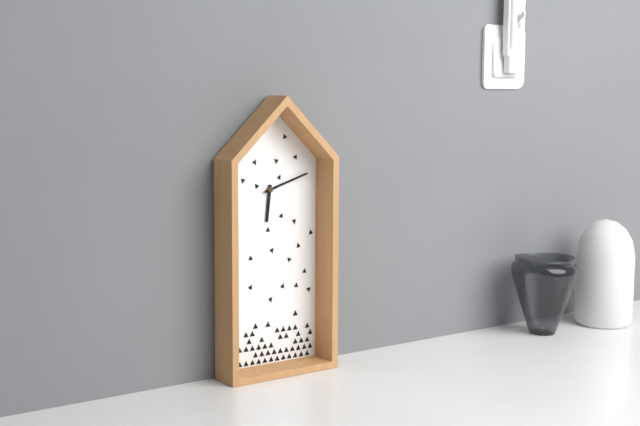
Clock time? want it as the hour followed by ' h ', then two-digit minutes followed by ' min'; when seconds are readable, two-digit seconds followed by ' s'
6 h 12 min
